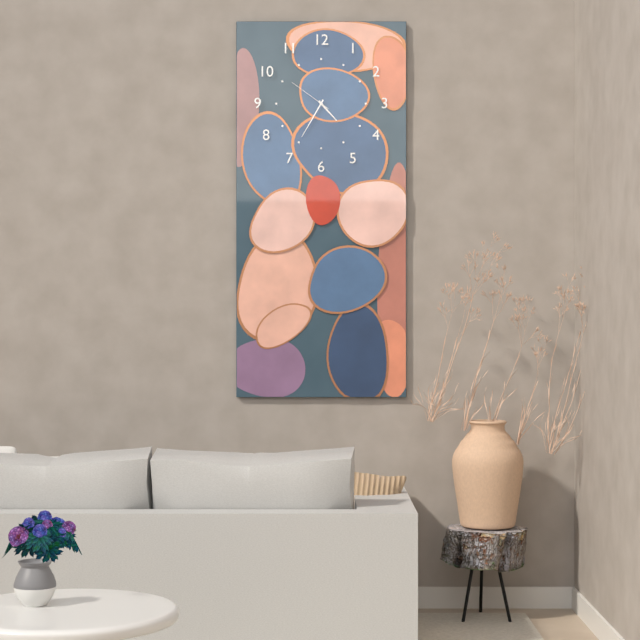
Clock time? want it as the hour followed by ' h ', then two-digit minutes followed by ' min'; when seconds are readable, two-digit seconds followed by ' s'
4 h 35 min
